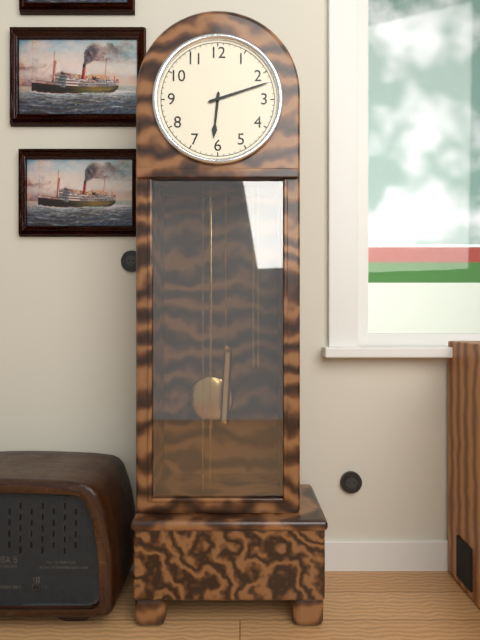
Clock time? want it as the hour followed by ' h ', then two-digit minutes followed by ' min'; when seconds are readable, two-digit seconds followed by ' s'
6 h 12 min
